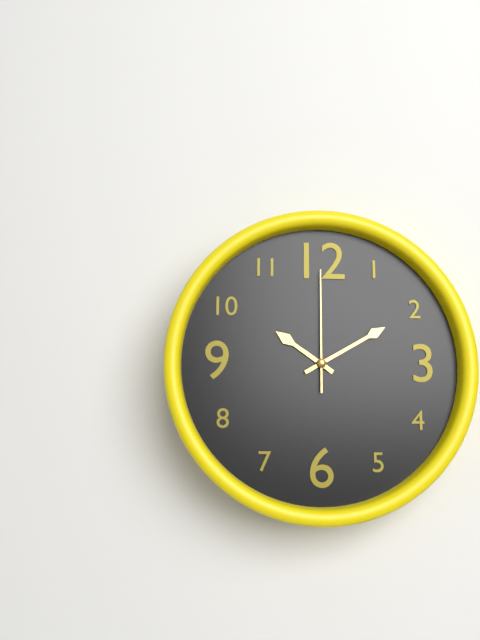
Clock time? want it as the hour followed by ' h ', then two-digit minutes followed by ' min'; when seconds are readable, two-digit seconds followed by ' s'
10 h 10 min 00 s
